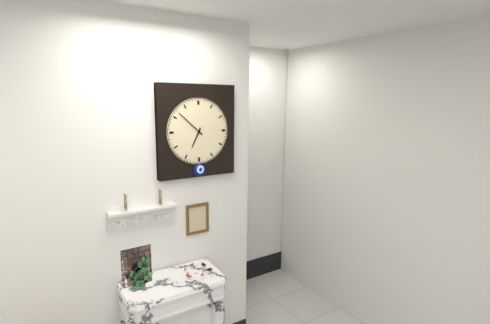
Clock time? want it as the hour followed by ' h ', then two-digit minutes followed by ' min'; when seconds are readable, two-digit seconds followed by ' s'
6 h 52 min
